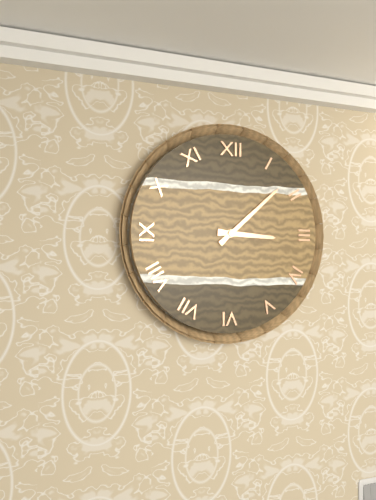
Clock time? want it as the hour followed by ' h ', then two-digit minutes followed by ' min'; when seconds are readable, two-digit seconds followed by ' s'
3 h 08 min
